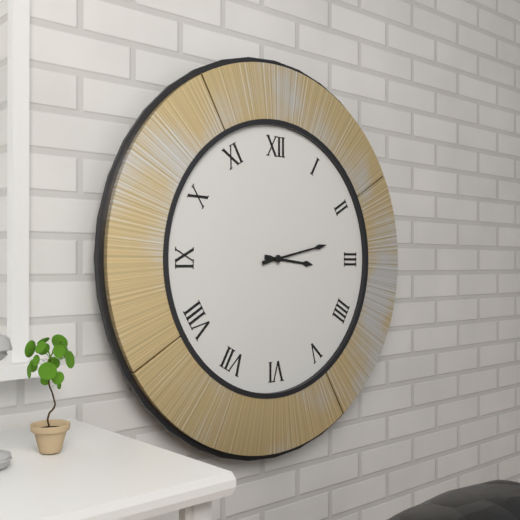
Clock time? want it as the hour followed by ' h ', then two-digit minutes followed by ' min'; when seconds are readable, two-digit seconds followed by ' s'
3 h 13 min
